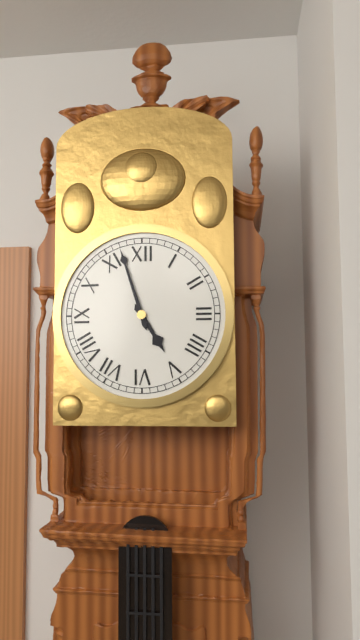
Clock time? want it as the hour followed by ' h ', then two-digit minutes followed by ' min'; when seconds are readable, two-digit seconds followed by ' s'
4 h 57 min
